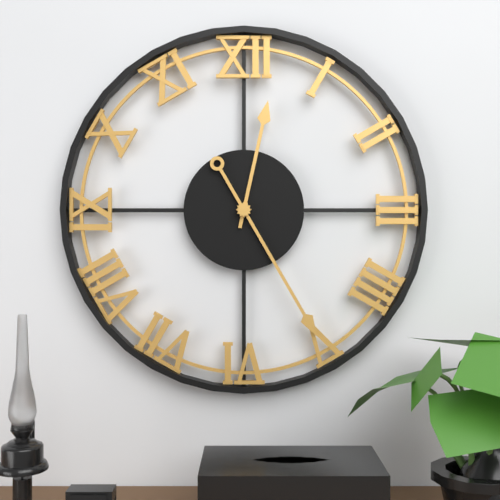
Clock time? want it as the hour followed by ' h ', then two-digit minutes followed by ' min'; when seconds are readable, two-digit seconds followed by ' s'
12 h 25 min
